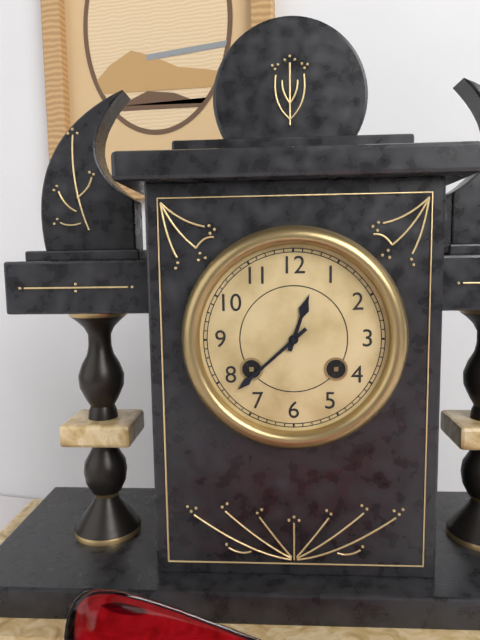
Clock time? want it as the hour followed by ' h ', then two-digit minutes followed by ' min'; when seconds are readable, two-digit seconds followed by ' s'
12 h 38 min
